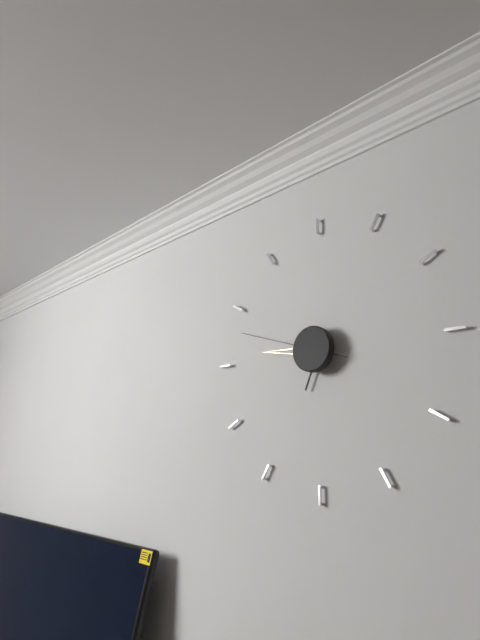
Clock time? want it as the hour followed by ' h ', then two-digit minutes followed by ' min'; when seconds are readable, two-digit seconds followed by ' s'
6 h 46 min 48 s
